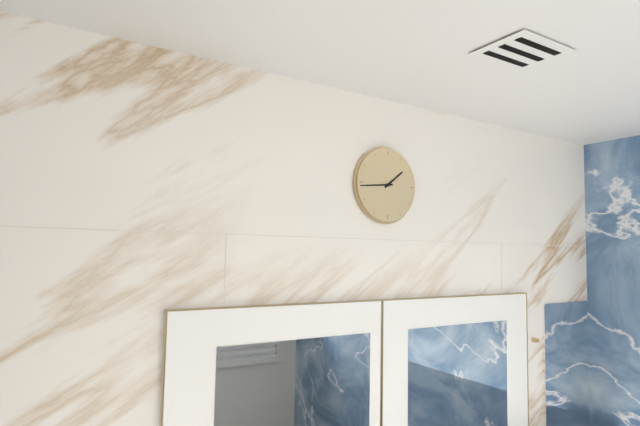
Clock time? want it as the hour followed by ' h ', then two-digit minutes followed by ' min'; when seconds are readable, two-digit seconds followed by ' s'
1 h 44 min
